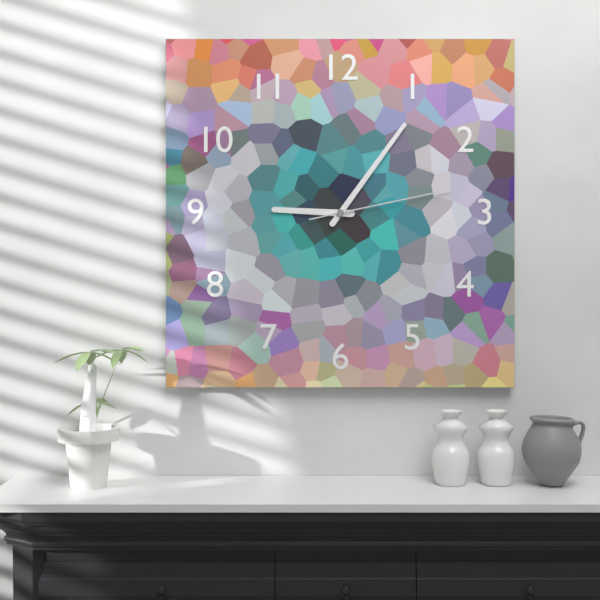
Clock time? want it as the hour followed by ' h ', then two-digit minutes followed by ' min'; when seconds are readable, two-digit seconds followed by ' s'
9 h 06 min 13 s
